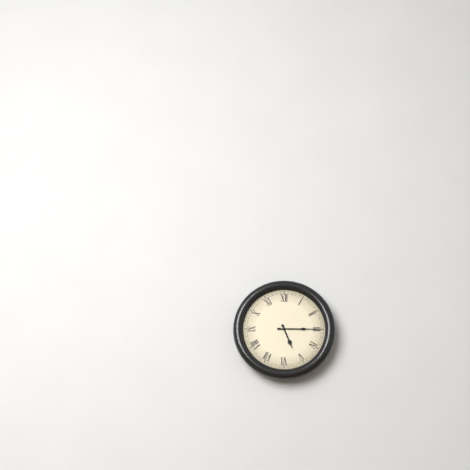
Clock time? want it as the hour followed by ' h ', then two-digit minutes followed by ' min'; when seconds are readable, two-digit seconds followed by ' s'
5 h 15 min
